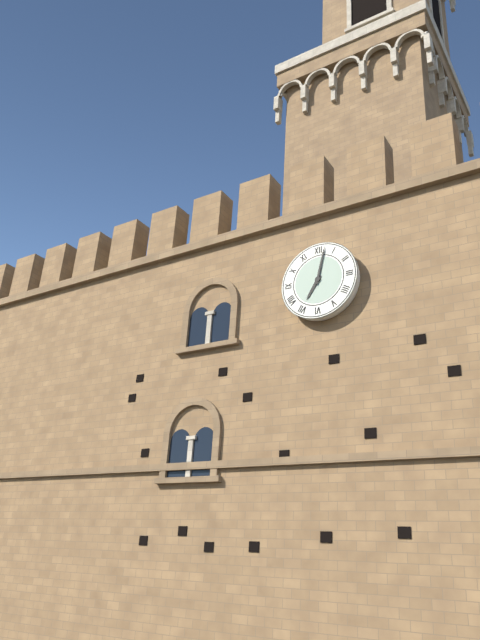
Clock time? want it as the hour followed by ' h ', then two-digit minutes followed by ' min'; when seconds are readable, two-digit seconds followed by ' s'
7 h 02 min
